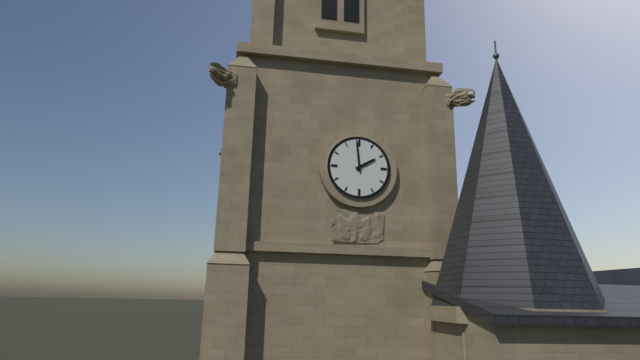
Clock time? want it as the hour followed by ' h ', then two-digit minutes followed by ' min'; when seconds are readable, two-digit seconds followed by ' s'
1 h 59 min
